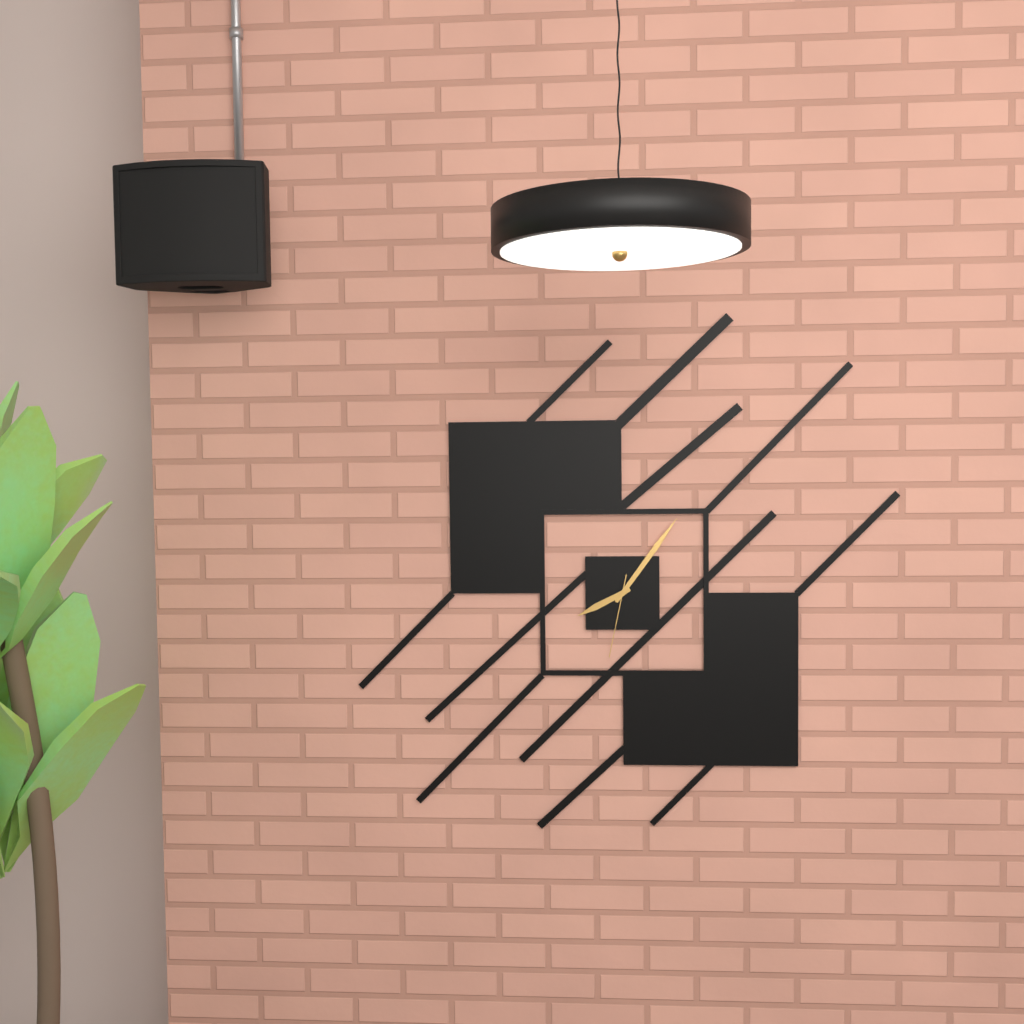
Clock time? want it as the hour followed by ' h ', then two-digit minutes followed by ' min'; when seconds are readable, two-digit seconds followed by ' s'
8 h 06 min 32 s
